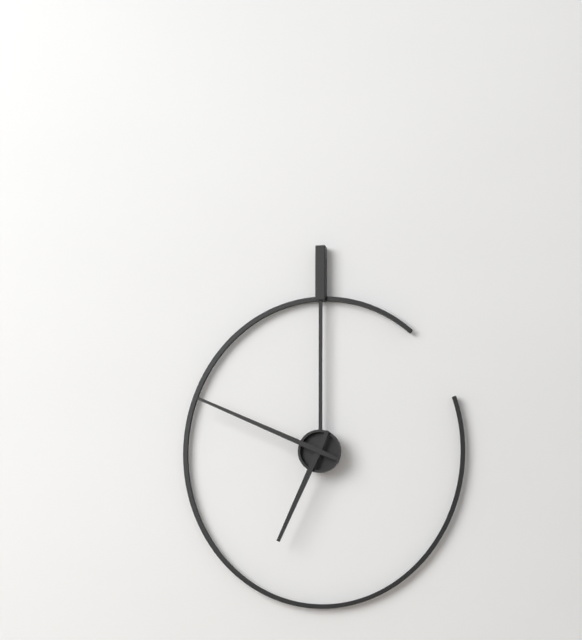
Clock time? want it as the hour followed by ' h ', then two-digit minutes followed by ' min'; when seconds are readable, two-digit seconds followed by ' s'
6 h 49 min
